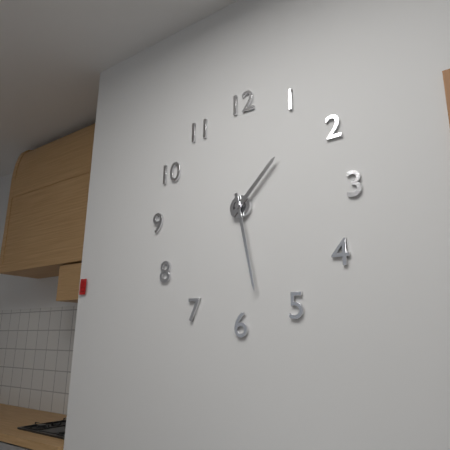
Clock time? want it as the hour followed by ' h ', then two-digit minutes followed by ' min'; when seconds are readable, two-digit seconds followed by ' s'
1 h 28 min
